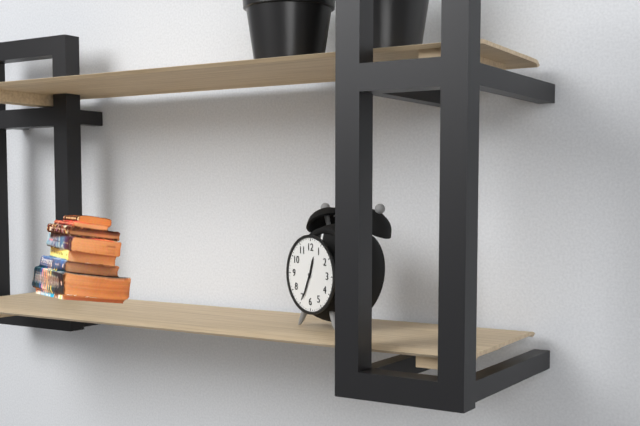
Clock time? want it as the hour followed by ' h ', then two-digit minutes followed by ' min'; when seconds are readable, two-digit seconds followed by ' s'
12 h 34 min
